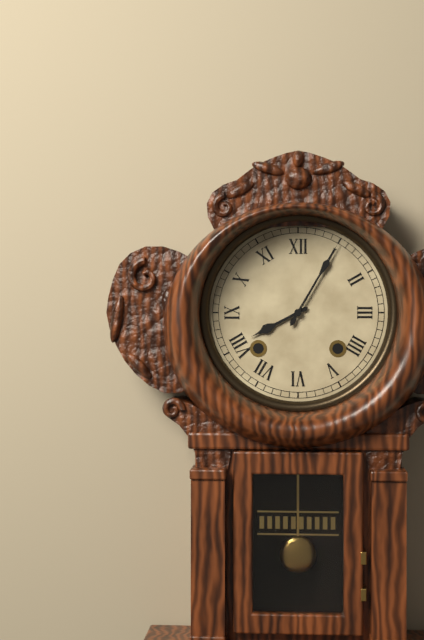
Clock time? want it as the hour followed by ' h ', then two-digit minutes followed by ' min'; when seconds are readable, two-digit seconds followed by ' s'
8 h 05 min
